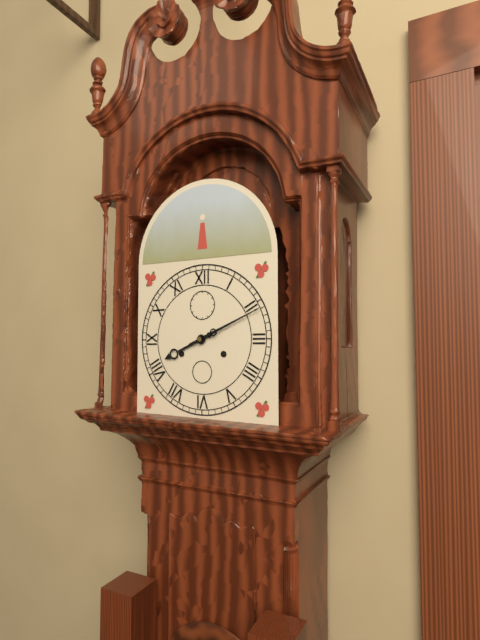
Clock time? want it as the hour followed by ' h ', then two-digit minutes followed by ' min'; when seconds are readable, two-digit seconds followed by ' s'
8 h 11 min
